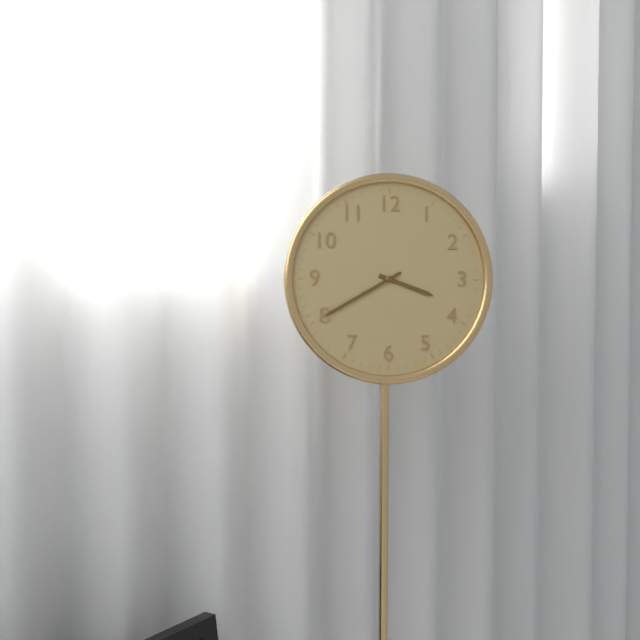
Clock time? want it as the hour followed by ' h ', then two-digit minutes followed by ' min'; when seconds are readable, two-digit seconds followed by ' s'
3 h 40 min
